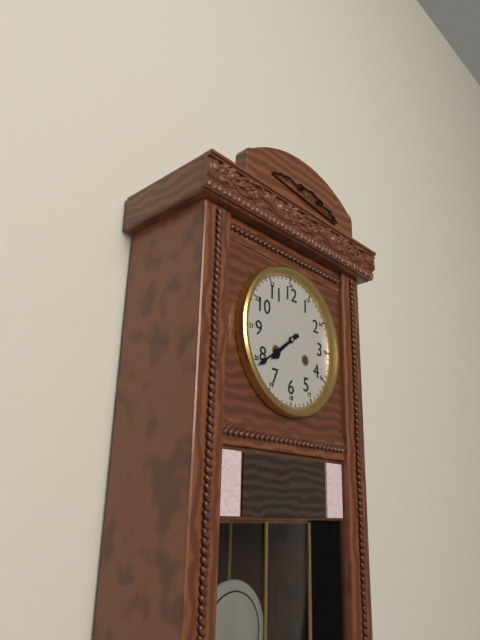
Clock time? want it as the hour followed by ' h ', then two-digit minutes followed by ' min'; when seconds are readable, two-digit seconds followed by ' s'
7 h 39 min
